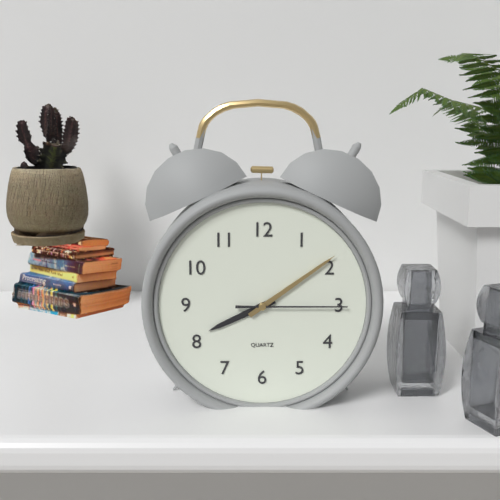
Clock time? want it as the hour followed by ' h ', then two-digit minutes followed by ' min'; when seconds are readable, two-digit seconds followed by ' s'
8 h 09 min 15 s
